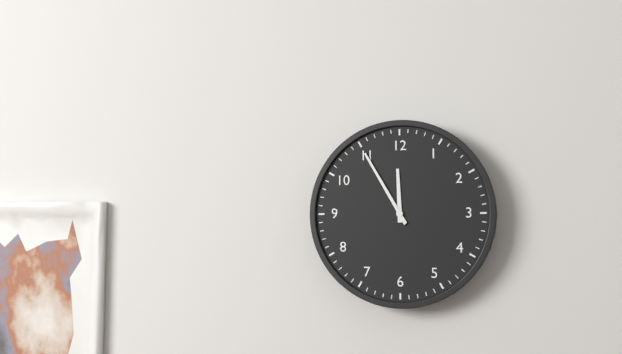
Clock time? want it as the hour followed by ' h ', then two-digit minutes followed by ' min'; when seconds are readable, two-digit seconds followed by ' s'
11 h 55 min
